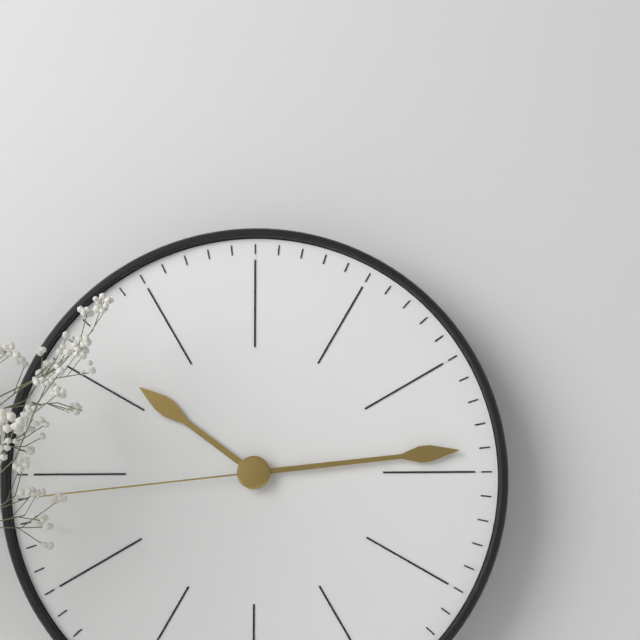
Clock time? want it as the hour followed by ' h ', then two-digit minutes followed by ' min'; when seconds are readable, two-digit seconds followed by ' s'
10 h 14 min 44 s
